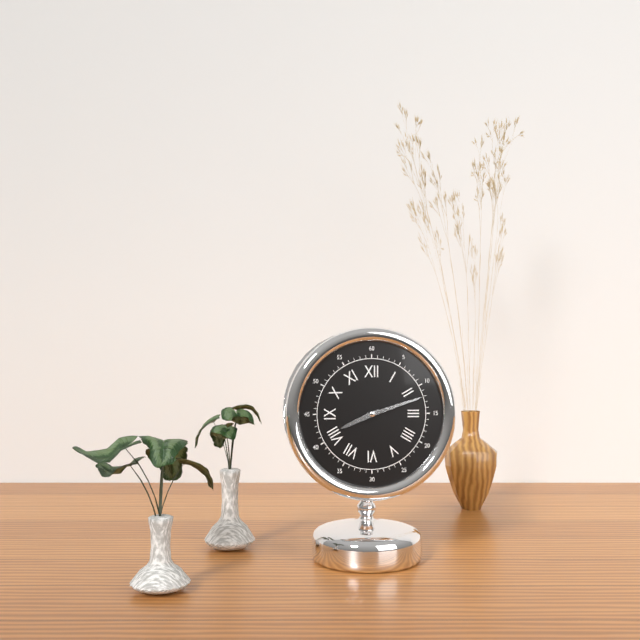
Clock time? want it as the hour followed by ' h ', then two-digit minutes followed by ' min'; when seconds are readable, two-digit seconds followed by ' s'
8 h 12 min
